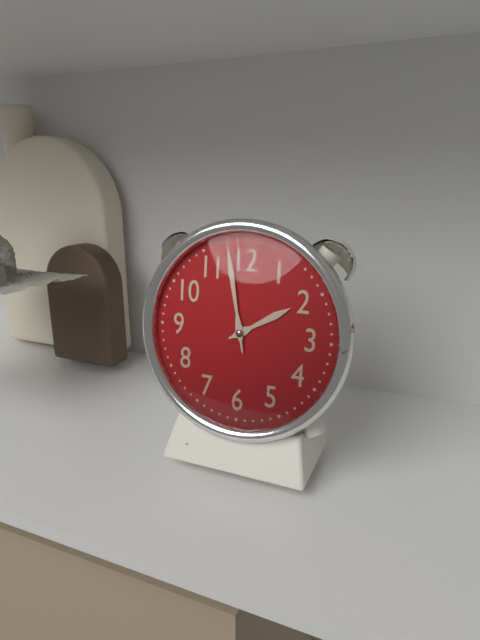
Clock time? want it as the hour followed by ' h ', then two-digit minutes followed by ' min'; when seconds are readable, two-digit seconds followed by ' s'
1 h 58 min
